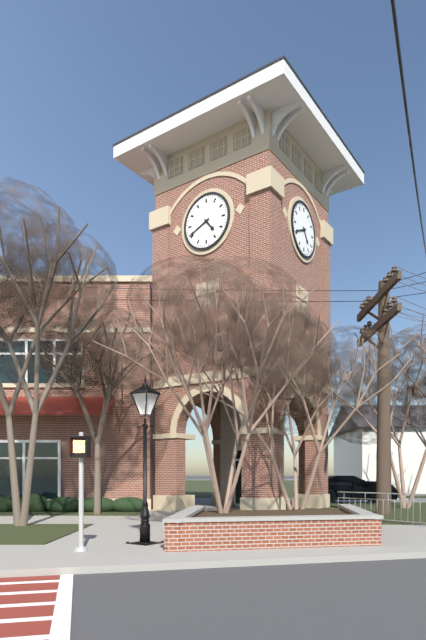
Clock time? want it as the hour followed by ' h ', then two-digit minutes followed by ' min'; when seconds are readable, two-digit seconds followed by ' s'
4 h 41 min
